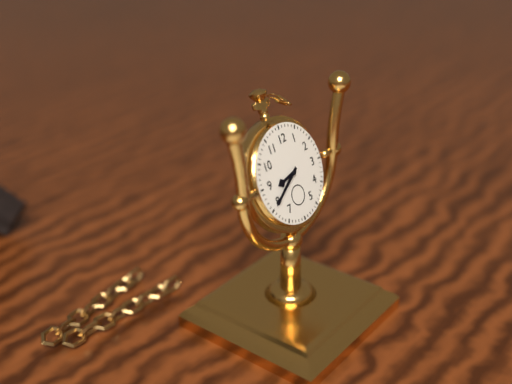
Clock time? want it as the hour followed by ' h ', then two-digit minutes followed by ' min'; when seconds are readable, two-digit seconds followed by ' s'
8 h 40 min
